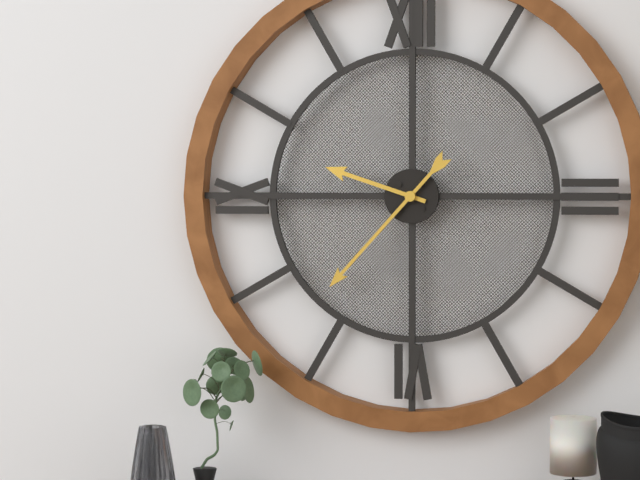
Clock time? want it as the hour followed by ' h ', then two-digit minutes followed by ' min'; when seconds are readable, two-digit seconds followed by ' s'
9 h 37 min
